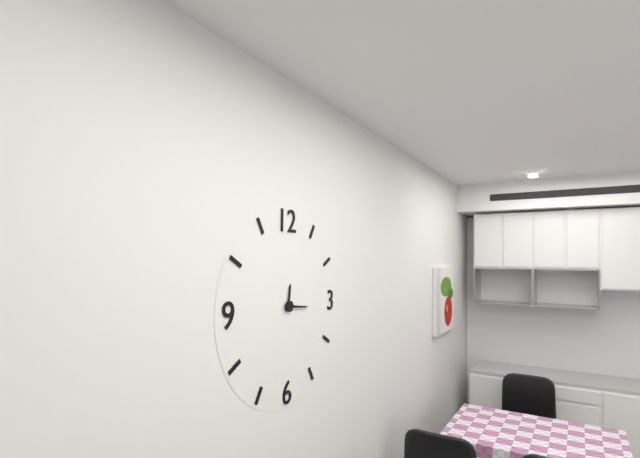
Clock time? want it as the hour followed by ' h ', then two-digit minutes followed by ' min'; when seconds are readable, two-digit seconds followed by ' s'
12 h 16 min
